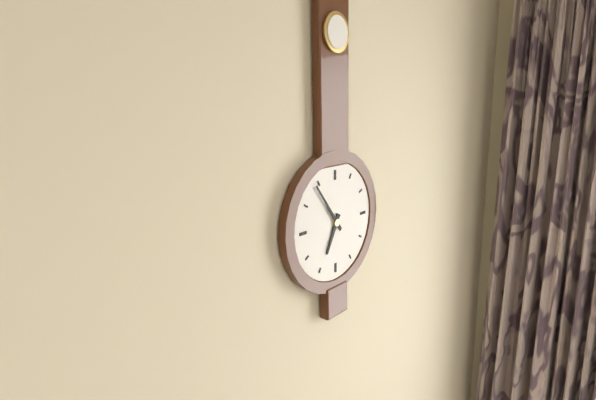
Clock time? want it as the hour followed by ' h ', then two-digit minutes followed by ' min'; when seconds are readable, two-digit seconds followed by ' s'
6 h 54 min
